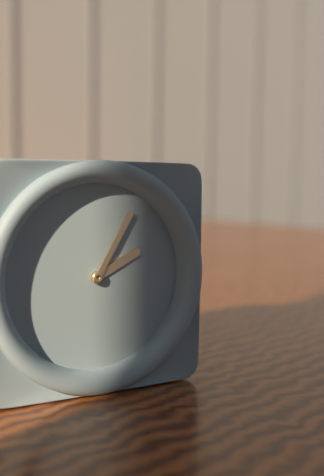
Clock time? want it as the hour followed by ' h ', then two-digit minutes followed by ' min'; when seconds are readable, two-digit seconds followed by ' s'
2 h 05 min
